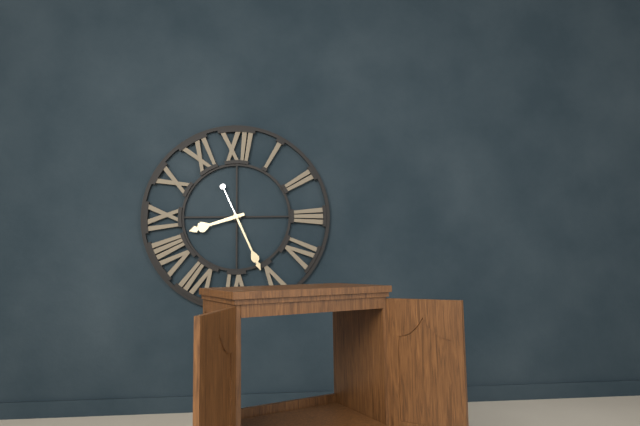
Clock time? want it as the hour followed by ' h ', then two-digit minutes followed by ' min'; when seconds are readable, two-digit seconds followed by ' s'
8 h 26 min
